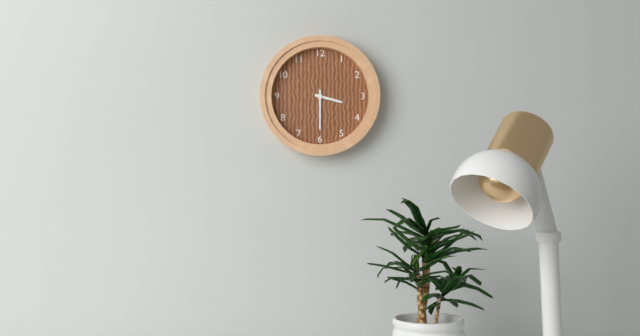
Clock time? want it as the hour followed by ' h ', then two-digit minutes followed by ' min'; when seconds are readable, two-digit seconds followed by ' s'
3 h 30 min
